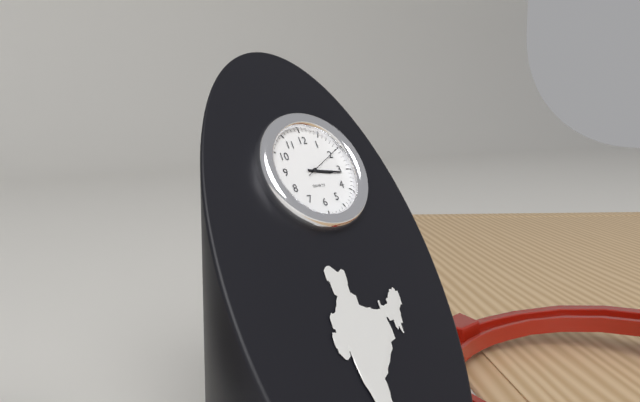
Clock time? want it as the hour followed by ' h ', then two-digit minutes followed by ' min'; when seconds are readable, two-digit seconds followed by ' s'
3 h 16 min
